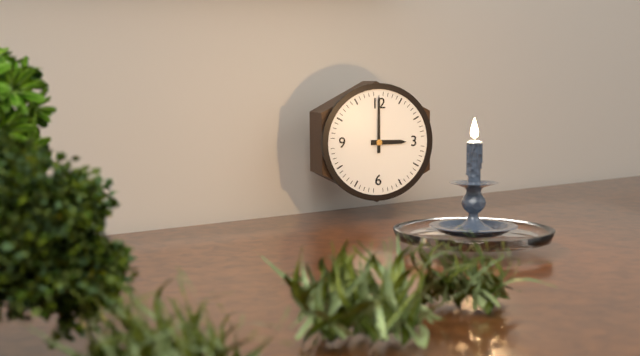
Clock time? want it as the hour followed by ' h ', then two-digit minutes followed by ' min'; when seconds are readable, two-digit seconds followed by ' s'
3 h 00 min
